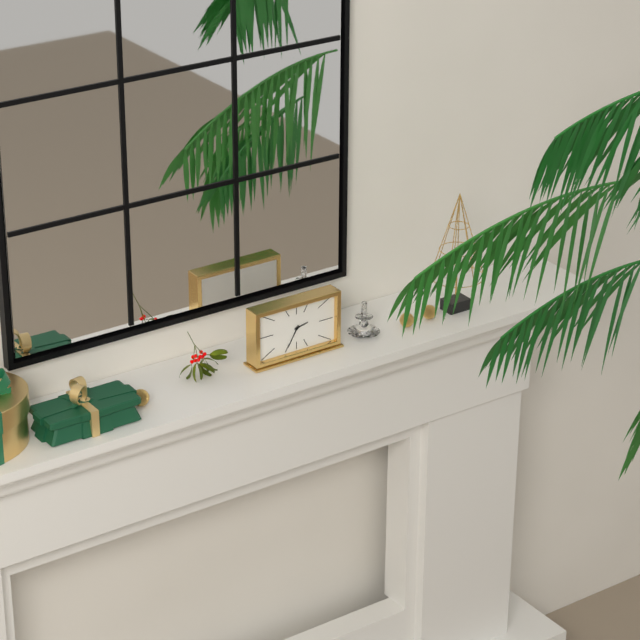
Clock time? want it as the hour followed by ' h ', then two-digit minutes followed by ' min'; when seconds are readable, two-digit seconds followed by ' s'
2 h 35 min
